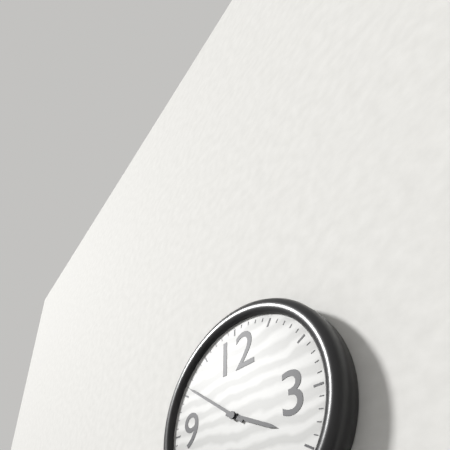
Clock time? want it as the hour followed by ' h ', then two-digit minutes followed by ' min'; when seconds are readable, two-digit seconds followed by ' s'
3 h 51 min
